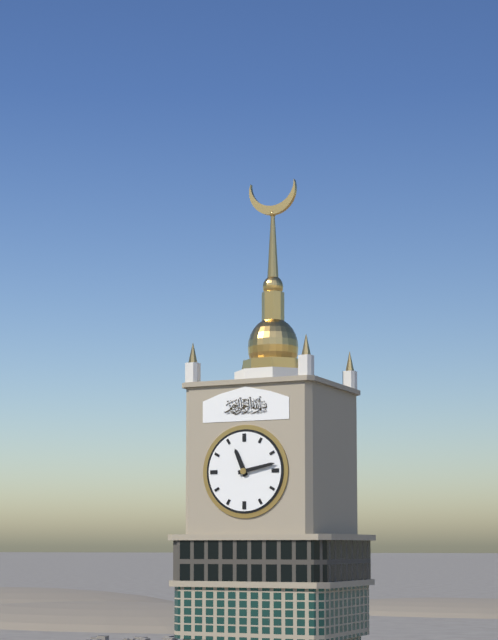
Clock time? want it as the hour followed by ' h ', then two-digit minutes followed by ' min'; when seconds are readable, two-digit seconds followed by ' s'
11 h 13 min
